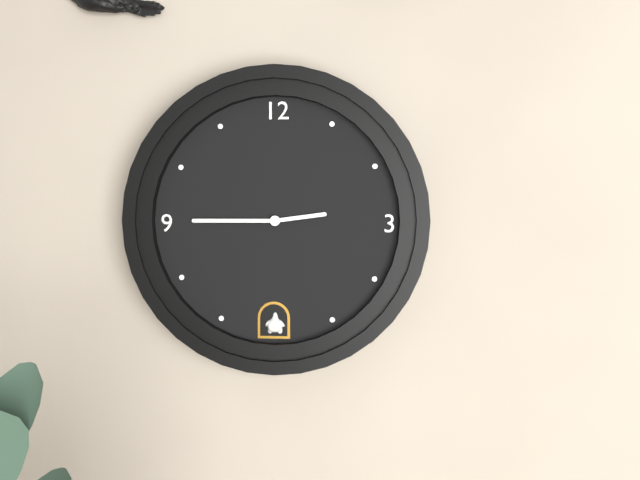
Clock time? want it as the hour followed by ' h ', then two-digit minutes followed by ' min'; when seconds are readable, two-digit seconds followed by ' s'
2 h 45 min
